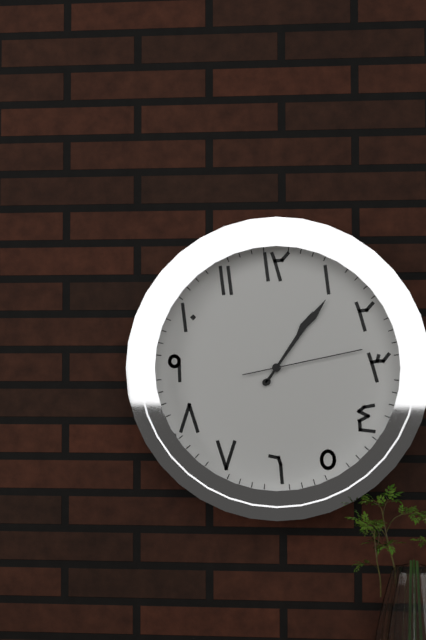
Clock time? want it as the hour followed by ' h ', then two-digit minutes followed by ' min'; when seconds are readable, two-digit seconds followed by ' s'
1 h 06 min 13 s
